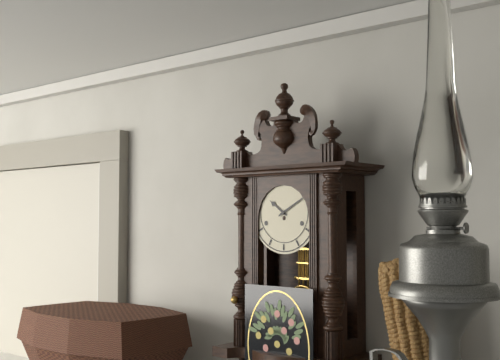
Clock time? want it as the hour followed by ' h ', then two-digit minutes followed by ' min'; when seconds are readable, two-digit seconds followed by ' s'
10 h 10 min
